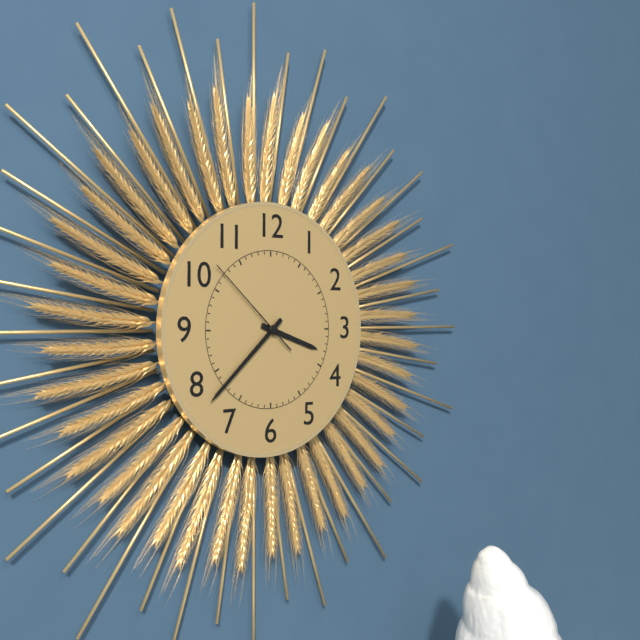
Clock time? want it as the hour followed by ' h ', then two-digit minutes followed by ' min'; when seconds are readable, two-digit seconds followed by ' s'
3 h 38 min 52 s
